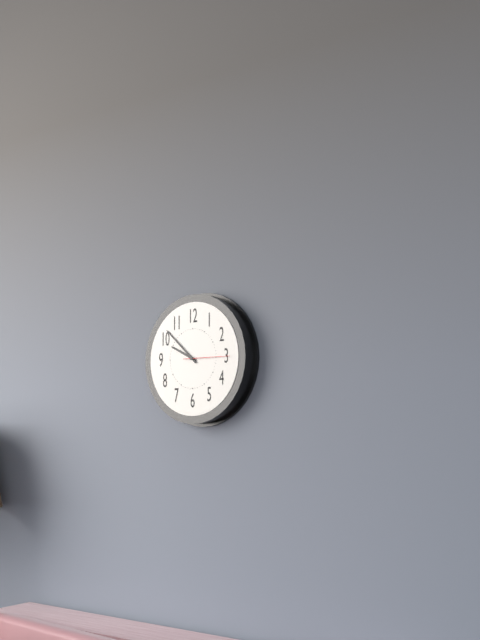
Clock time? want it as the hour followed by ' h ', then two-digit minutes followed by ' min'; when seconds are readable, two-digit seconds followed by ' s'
9 h 52 min
